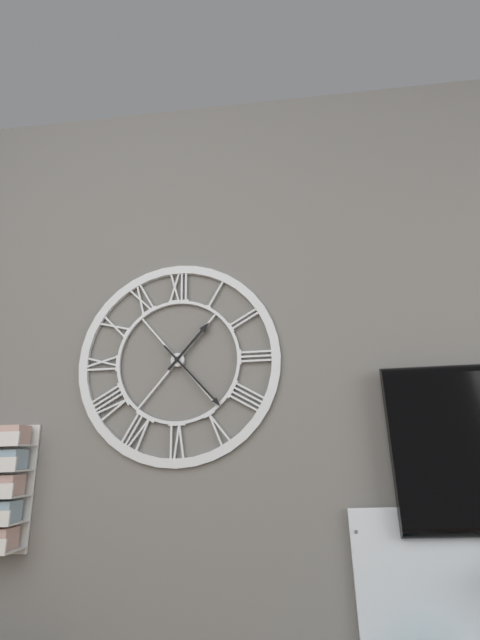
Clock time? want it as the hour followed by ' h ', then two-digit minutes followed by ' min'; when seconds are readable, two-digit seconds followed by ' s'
1 h 23 min
